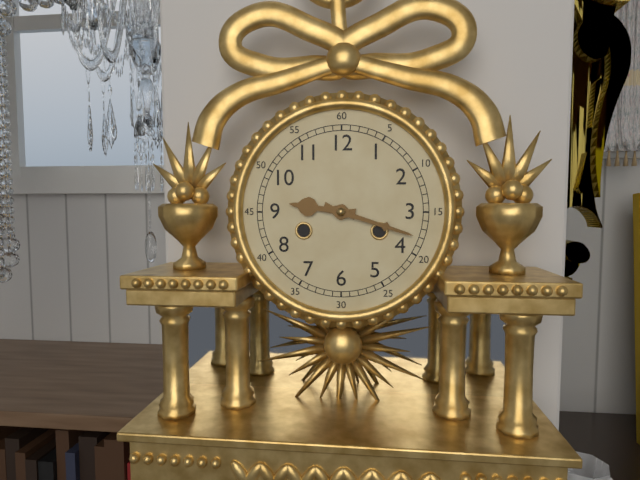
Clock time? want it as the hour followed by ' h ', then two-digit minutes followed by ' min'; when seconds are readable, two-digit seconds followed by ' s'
9 h 18 min
